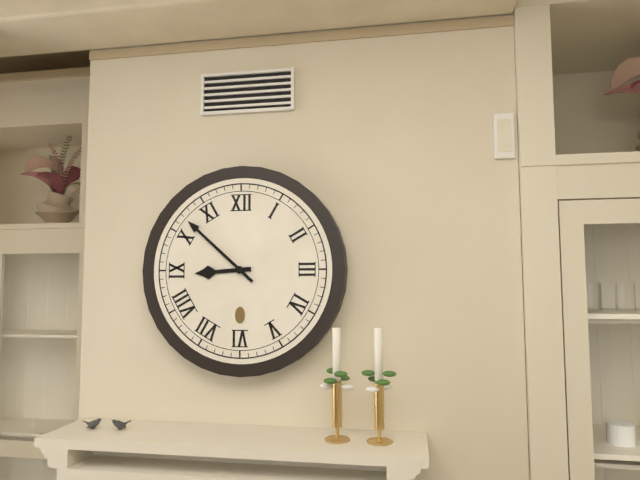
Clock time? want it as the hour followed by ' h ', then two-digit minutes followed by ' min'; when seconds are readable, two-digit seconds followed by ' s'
8 h 52 min
